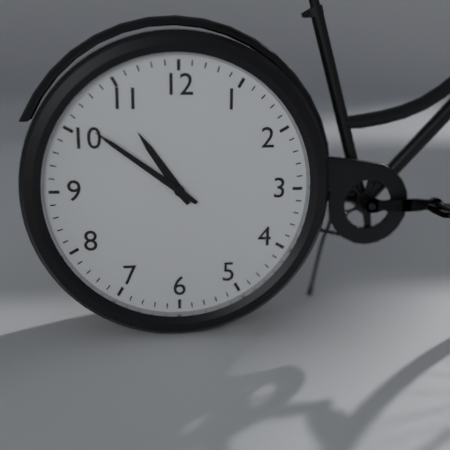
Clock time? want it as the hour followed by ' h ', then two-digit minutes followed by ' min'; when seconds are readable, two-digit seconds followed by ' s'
10 h 51 min
